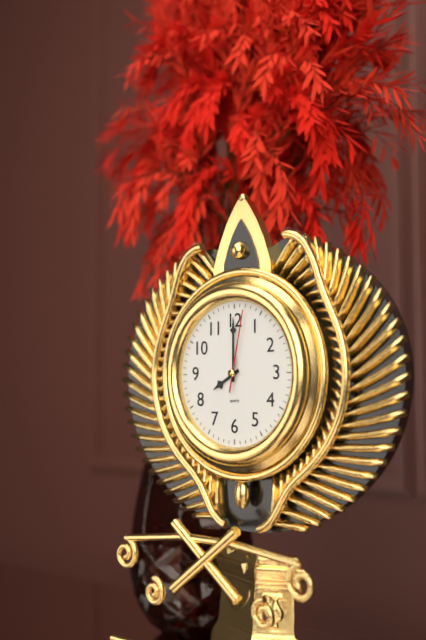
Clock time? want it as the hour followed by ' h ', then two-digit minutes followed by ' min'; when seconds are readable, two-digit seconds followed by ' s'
8 h 00 min 02 s
